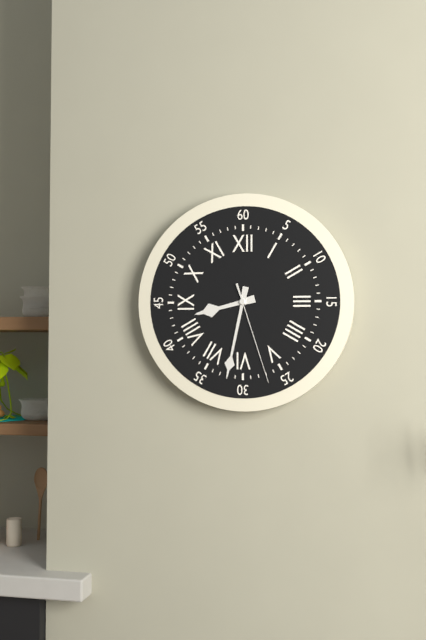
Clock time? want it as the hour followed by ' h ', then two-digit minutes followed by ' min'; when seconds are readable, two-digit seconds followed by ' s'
8 h 32 min 27 s
